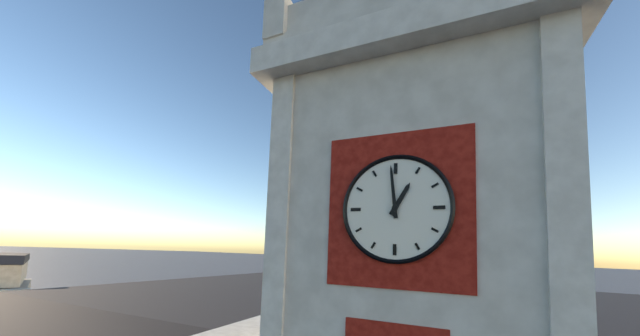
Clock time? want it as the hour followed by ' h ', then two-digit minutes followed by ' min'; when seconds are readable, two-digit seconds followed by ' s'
12 h 59 min
